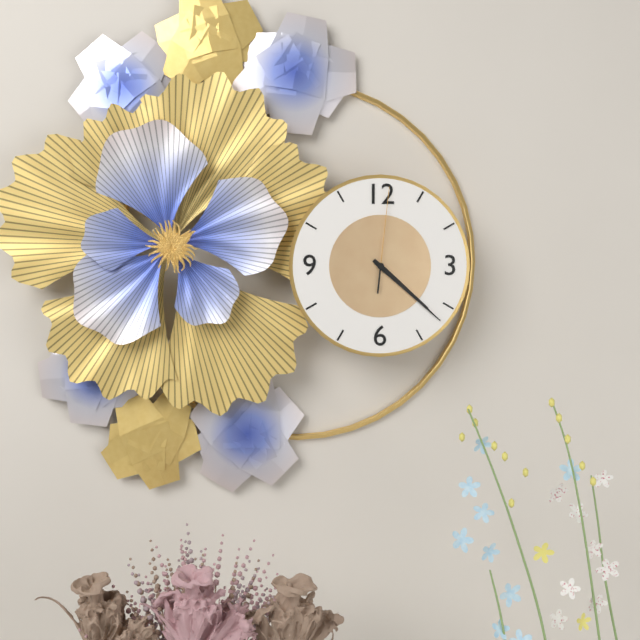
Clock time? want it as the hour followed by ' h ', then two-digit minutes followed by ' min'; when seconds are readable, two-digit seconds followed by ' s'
4 h 22 min 01 s
